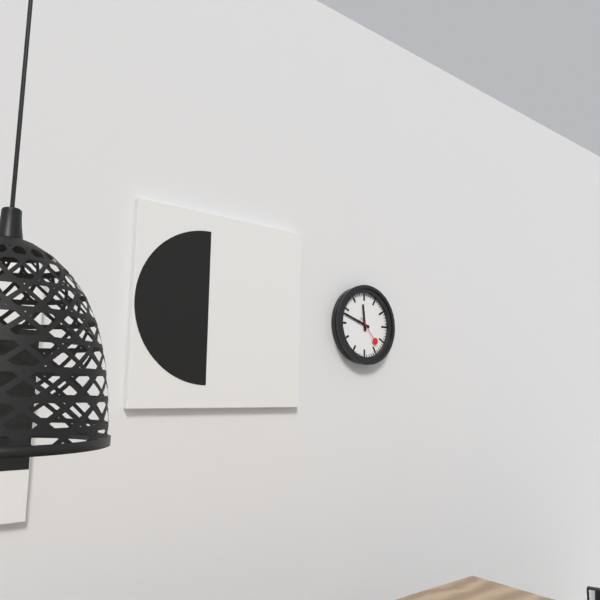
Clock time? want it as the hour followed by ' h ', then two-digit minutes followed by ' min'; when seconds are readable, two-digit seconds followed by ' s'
11 h 48 min
